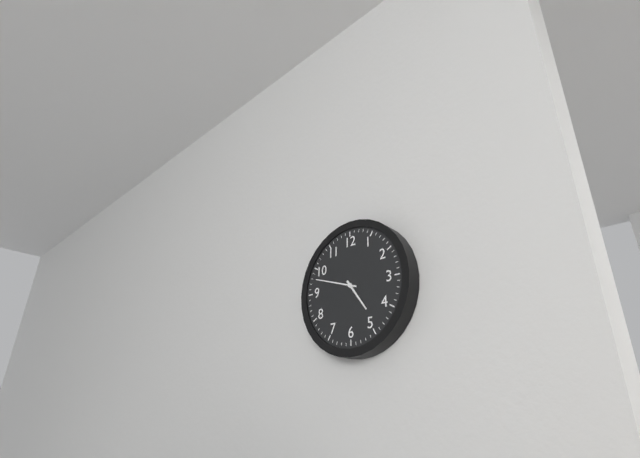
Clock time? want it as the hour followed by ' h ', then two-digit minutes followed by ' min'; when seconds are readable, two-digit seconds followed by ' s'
4 h 48 min
